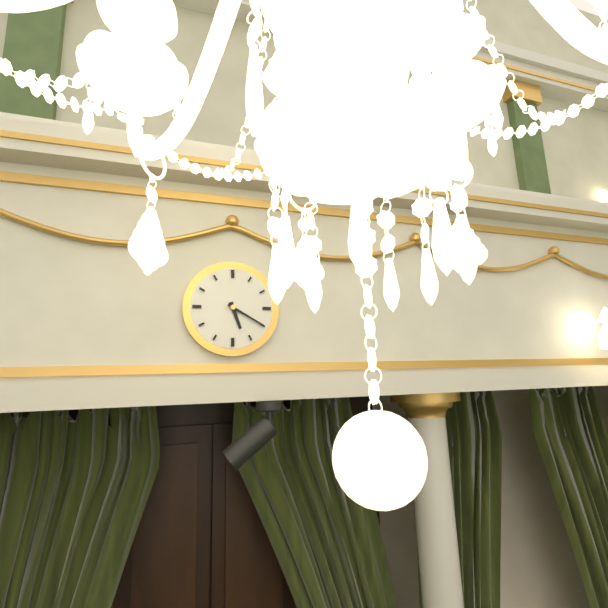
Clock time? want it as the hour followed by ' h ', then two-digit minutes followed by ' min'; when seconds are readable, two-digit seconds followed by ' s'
5 h 20 min
